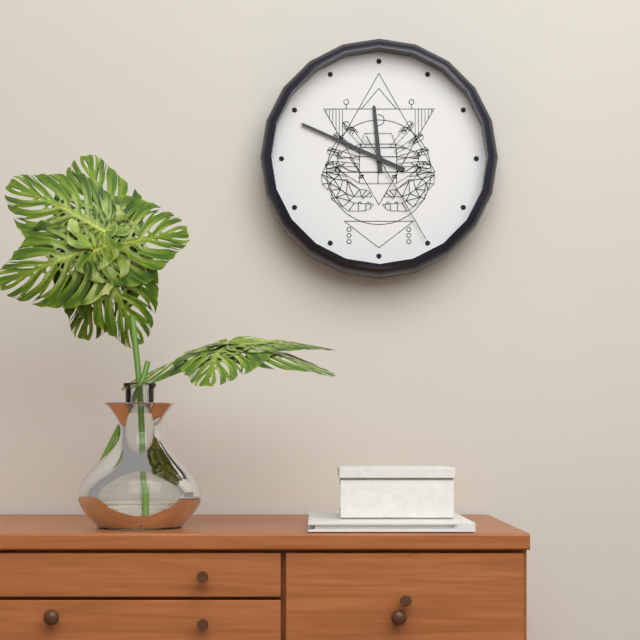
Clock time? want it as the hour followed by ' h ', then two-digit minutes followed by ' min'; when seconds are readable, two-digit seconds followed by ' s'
11 h 49 min 25 s
